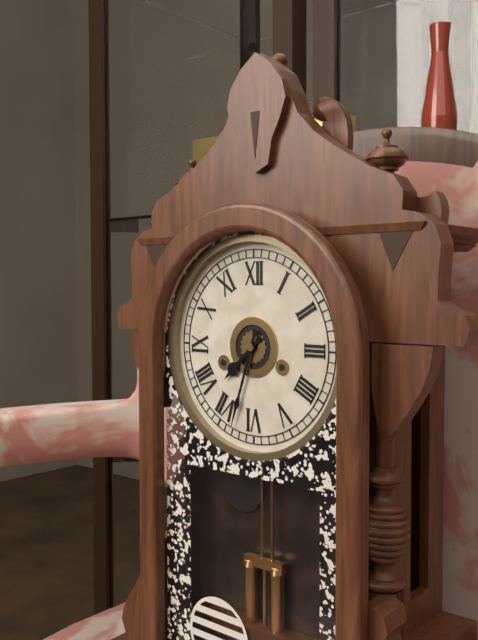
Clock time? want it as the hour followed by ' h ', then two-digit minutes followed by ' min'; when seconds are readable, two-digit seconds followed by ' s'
7 h 33 min
